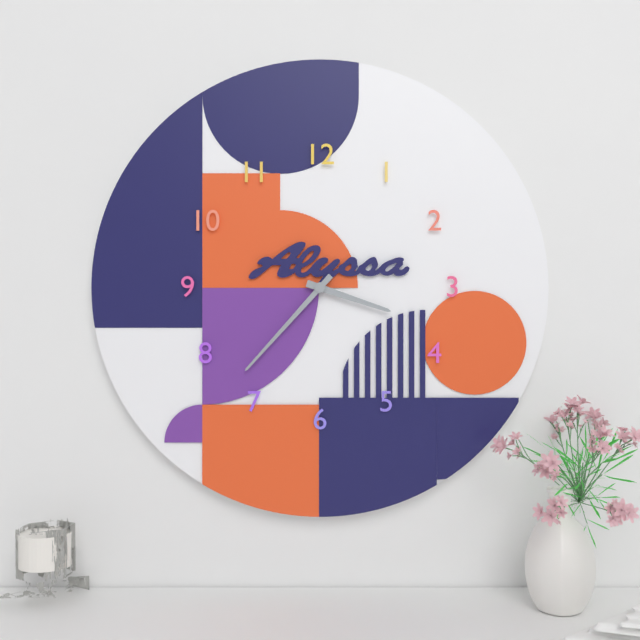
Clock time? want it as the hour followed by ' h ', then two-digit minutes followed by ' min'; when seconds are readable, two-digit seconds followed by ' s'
3 h 37 min
